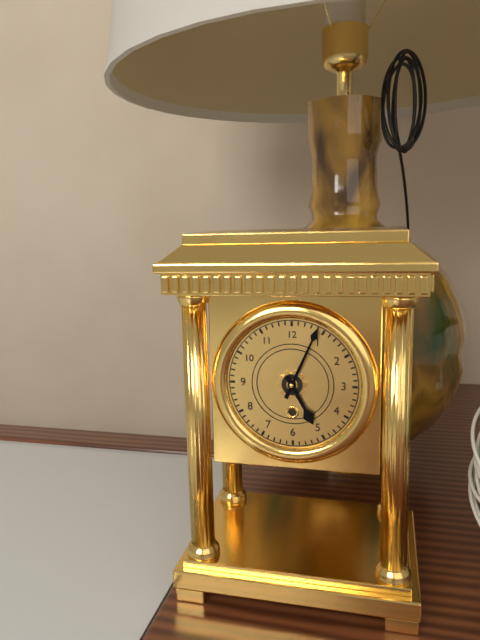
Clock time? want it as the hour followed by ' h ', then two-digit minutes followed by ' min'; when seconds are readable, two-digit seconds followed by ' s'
5 h 04 min
